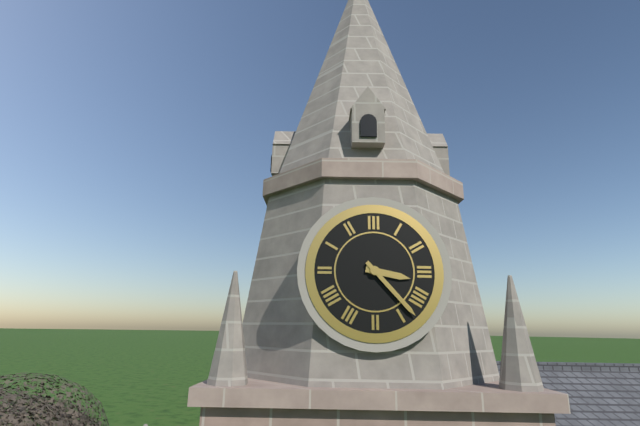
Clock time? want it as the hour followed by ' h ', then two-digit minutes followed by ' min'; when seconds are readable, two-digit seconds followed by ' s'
3 h 23 min
